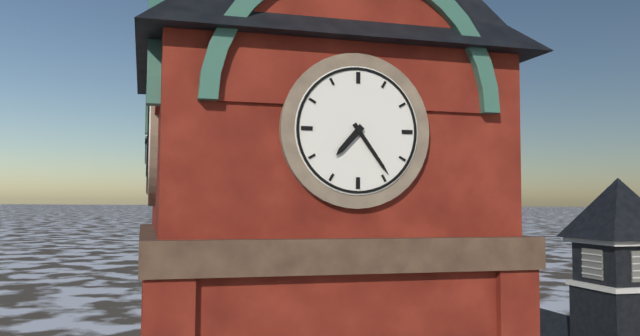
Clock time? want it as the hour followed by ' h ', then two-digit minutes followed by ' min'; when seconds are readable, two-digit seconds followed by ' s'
7 h 24 min
